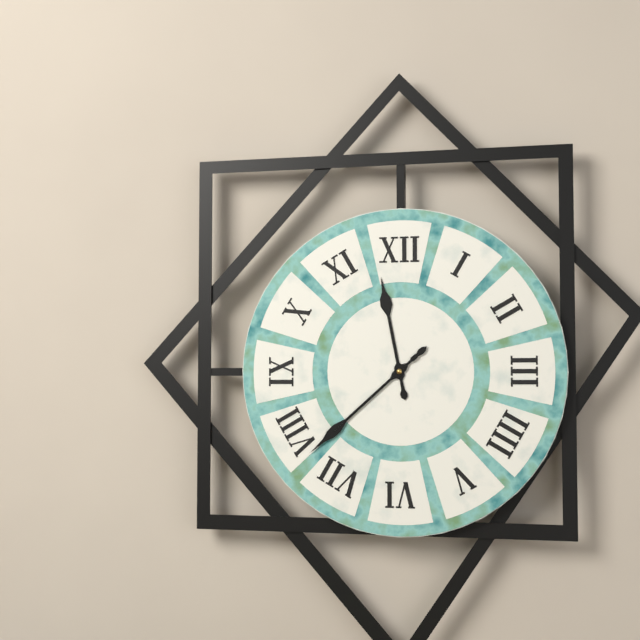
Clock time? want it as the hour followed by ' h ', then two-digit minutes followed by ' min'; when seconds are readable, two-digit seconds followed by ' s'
11 h 38 min 38 s
